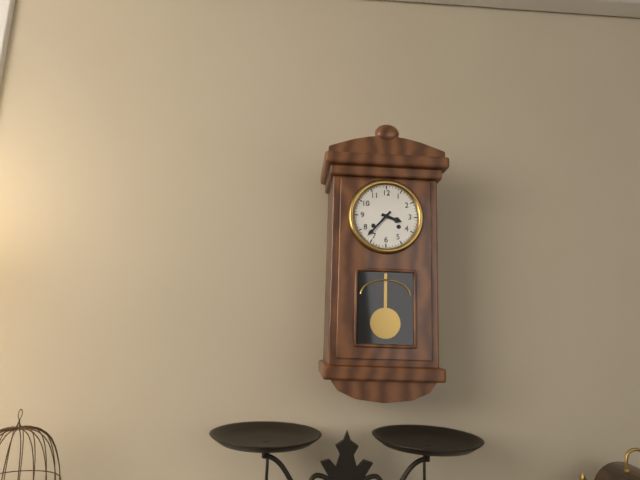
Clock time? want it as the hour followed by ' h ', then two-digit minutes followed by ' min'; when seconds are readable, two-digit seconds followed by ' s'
3 h 37 min
